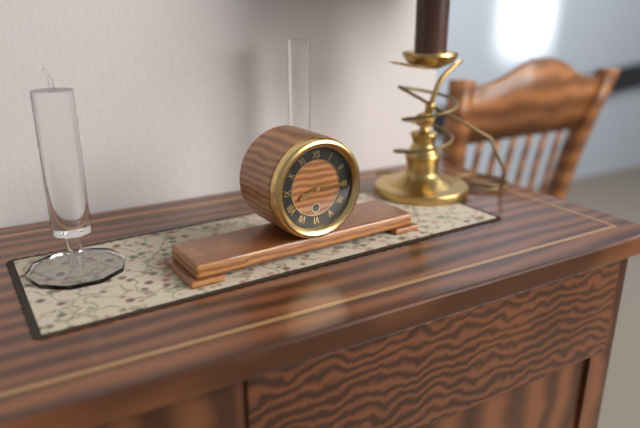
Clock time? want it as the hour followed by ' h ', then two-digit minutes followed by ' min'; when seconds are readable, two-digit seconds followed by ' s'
8 h 15 min
